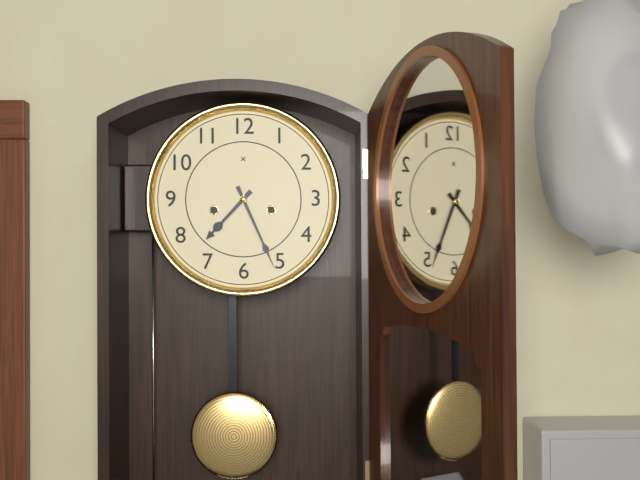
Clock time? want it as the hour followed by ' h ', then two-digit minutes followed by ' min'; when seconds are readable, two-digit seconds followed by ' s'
7 h 26 min
